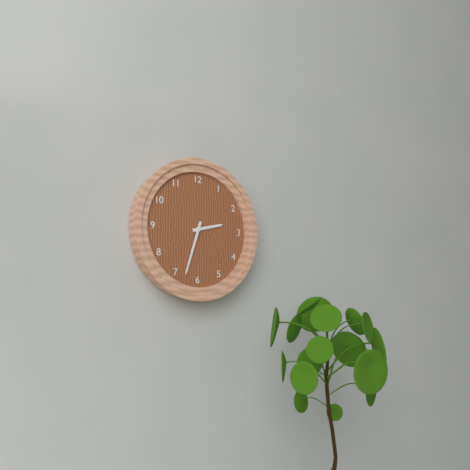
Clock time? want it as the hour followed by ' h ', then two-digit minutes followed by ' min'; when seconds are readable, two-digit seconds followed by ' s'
2 h 33 min
